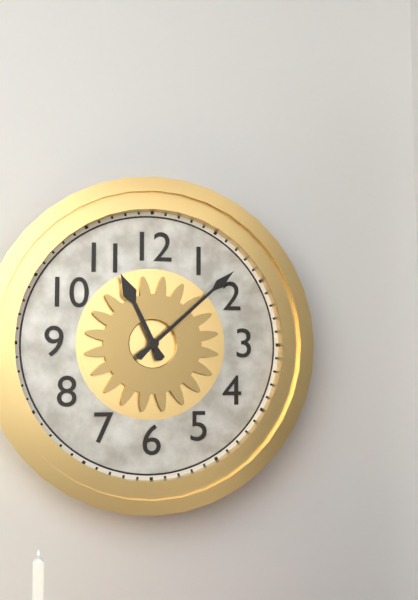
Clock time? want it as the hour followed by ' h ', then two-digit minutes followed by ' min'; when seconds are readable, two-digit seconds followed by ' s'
11 h 08 min
